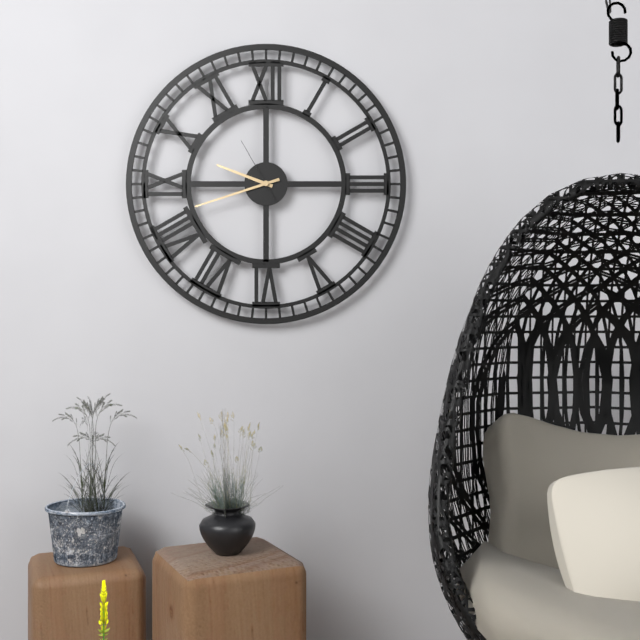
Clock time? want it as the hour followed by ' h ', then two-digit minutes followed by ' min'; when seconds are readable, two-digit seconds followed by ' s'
9 h 42 min 55 s
